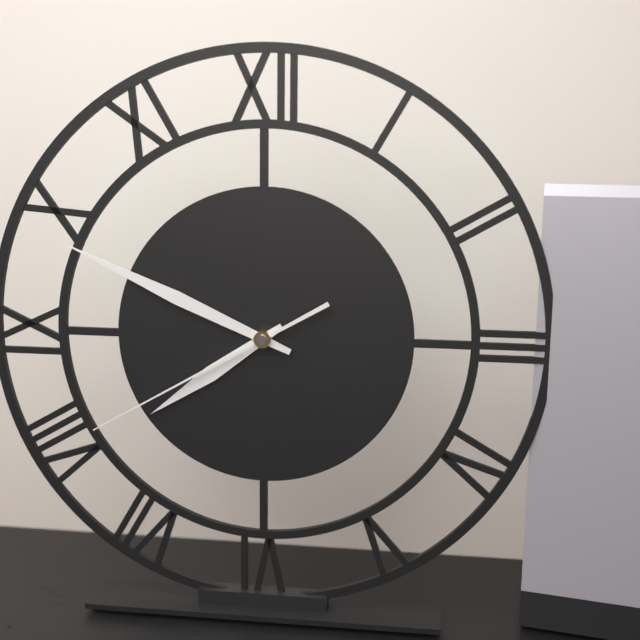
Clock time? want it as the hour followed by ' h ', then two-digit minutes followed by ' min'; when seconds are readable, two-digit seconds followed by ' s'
7 h 49 min 40 s
